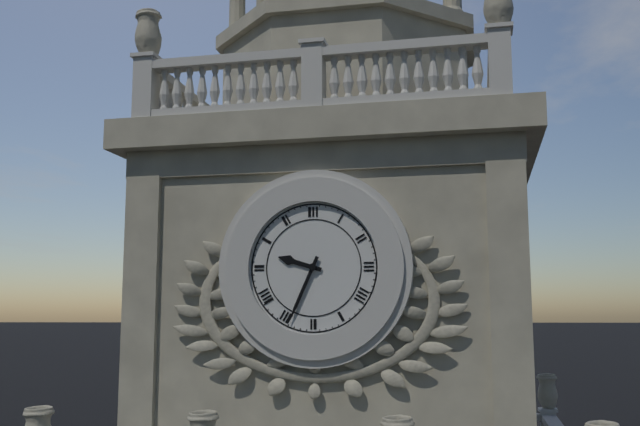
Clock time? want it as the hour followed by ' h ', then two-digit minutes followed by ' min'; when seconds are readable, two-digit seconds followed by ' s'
9 h 34 min
